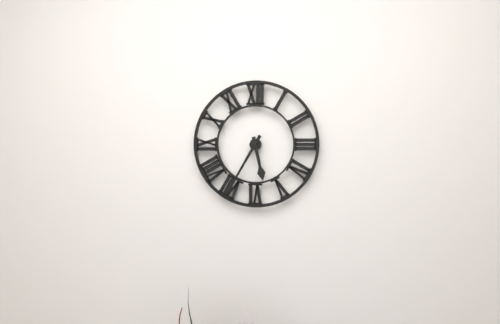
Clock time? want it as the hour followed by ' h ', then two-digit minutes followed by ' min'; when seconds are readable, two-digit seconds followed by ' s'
5 h 35 min
